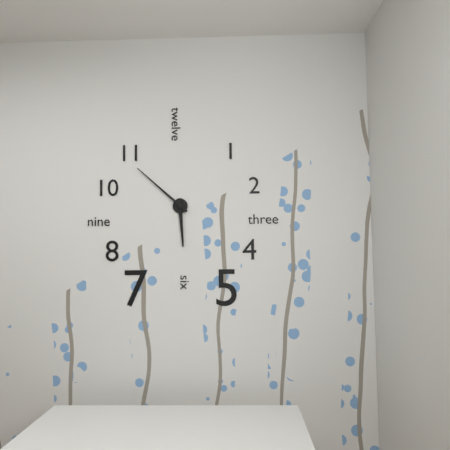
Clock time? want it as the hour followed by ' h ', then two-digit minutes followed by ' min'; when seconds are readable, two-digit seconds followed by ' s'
5 h 52 min
